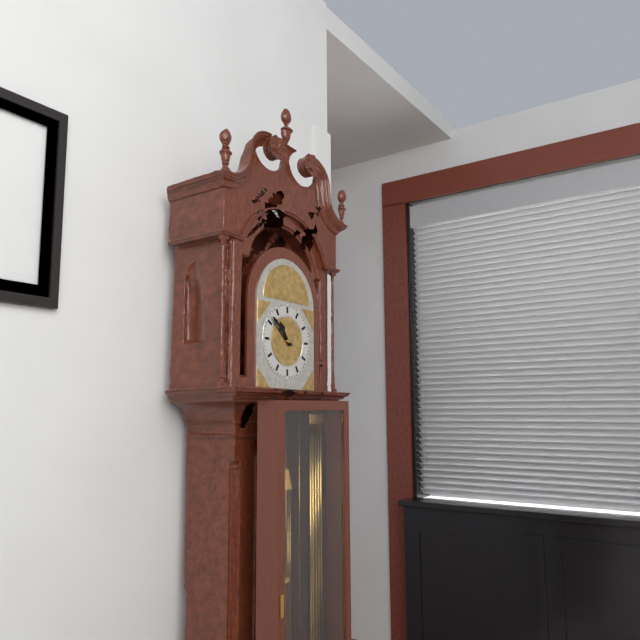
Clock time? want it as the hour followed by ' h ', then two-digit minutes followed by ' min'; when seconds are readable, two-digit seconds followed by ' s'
10 h 52 min
